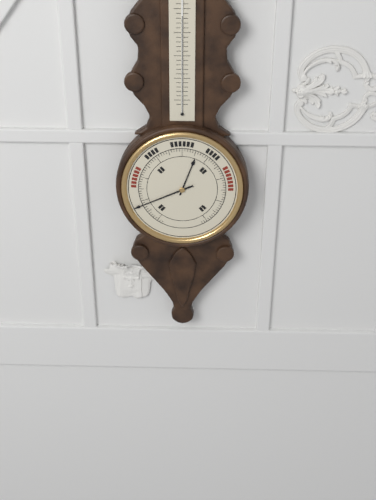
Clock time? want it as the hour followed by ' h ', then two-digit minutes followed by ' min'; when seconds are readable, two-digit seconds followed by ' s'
12 h 41 min
